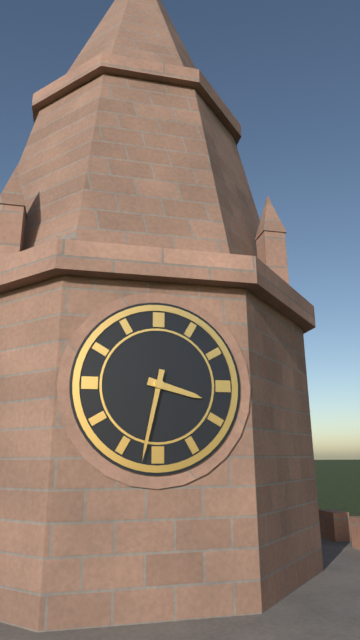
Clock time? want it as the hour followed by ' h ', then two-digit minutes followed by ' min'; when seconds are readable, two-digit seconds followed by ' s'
3 h 32 min
